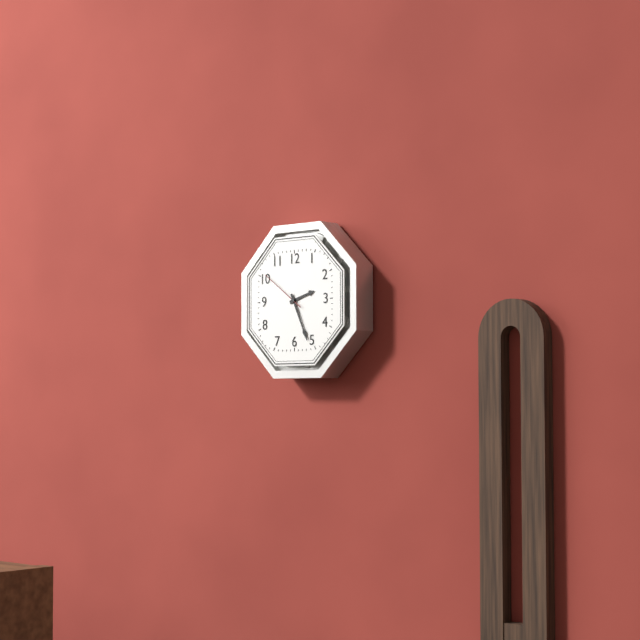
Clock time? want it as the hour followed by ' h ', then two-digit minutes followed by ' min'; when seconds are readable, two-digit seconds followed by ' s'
2 h 26 min
